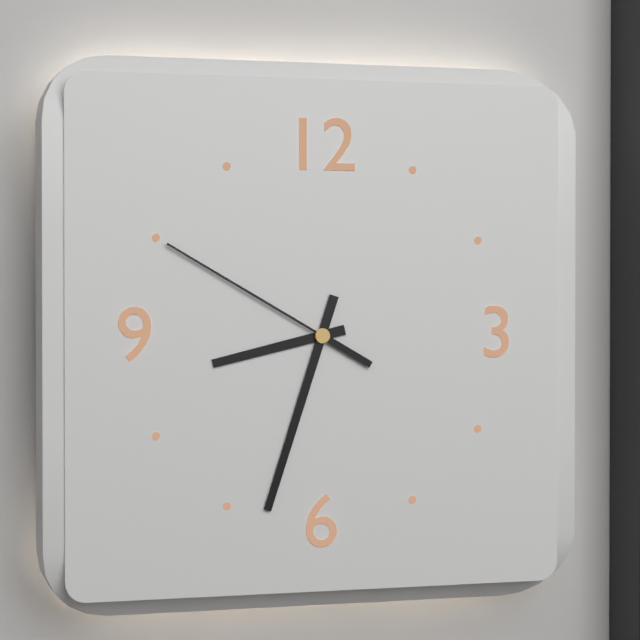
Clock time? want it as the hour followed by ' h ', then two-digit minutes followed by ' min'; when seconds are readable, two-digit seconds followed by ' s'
8 h 33 min 50 s
